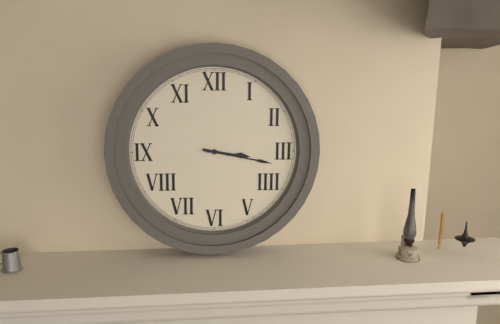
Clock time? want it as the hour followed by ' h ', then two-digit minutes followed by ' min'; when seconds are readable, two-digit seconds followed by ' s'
3 h 17 min
